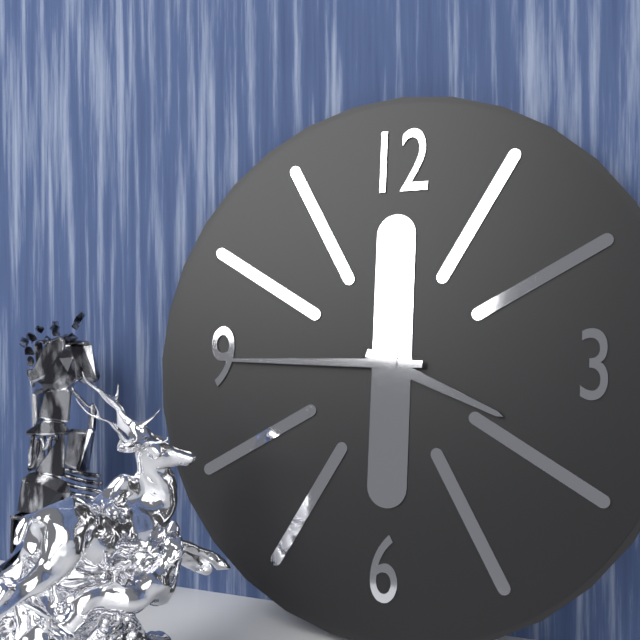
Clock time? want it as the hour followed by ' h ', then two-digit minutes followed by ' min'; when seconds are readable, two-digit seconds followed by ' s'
3 h 45 min
